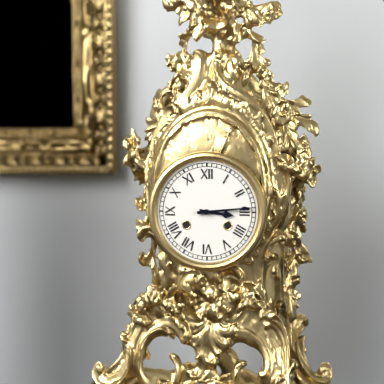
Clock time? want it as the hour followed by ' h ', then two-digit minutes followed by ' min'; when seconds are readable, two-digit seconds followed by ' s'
3 h 14 min
